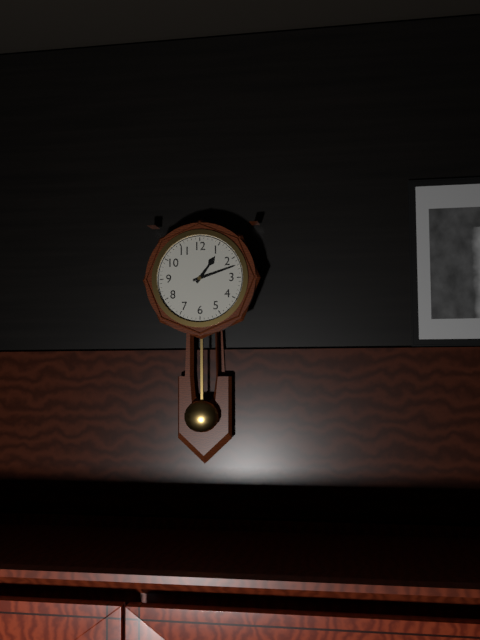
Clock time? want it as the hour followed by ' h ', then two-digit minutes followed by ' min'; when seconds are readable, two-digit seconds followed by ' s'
1 h 12 min
